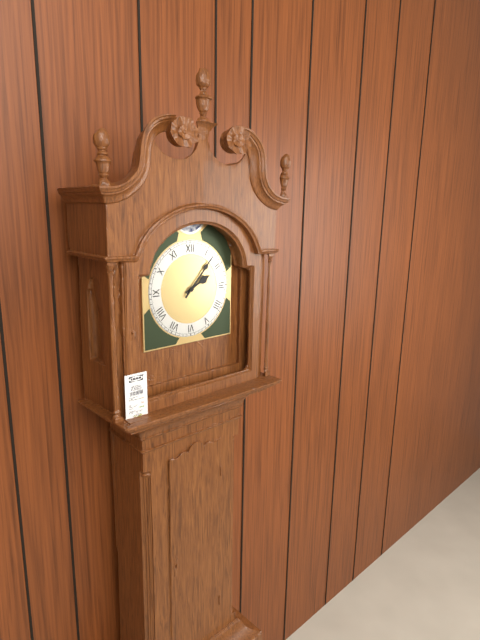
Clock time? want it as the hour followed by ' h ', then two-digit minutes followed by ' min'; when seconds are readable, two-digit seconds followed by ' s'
2 h 07 min
